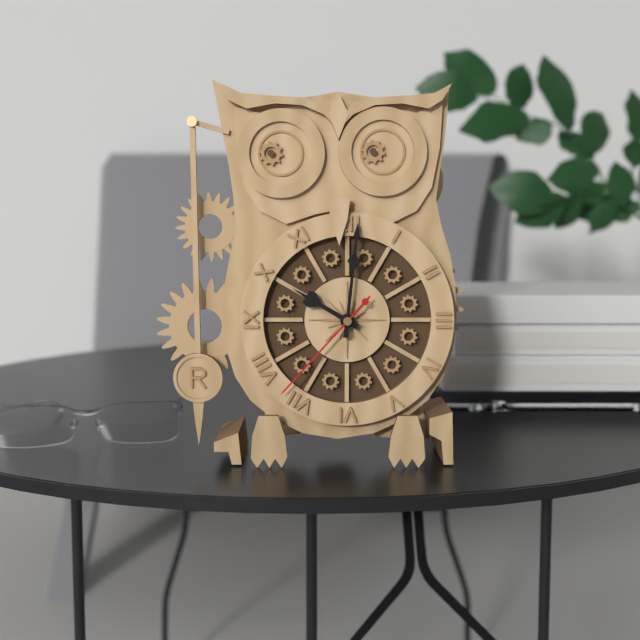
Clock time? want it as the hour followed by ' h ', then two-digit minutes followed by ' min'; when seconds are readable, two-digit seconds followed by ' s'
10 h 01 min 37 s
